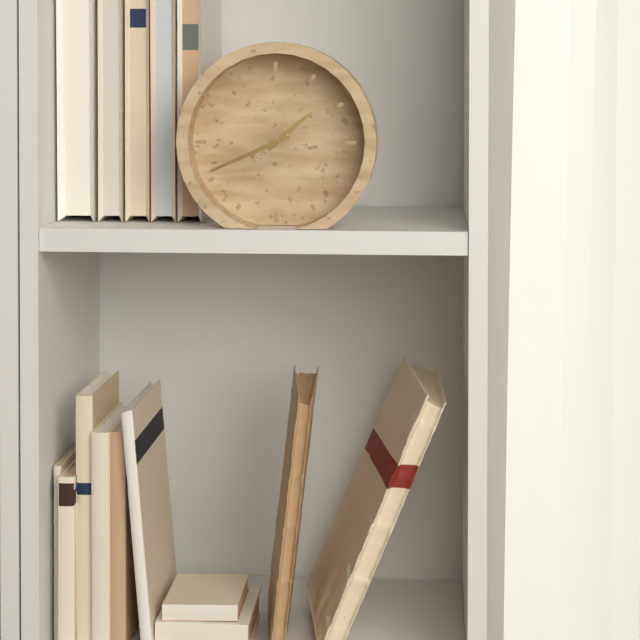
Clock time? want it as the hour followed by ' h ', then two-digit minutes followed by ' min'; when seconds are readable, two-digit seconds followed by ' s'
1 h 41 min
